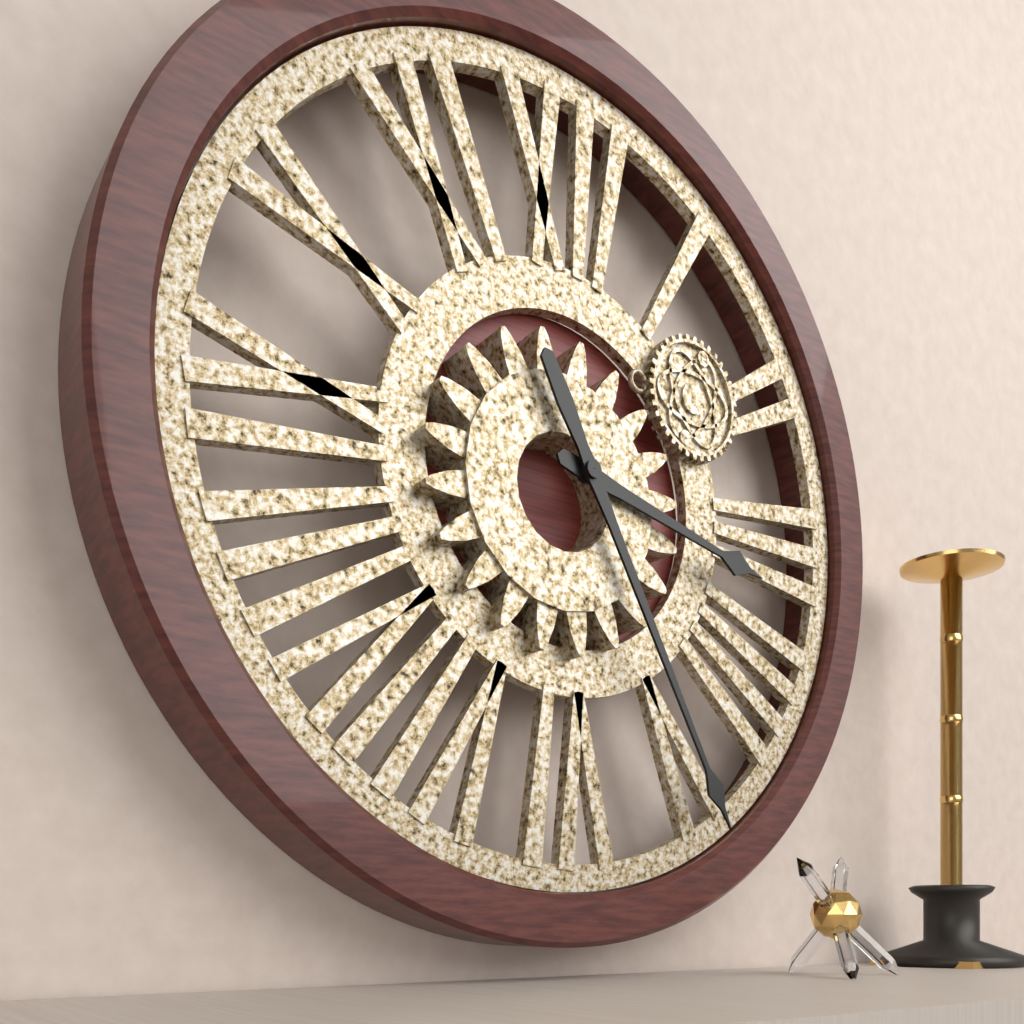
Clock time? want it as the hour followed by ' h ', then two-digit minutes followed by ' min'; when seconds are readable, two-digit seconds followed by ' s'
3 h 25 min
